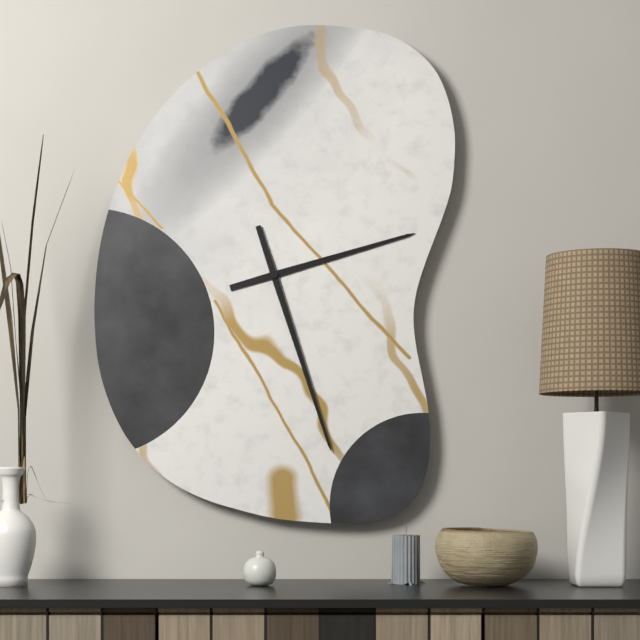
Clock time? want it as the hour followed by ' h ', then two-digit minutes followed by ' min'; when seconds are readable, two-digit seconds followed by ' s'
2 h 27 min
